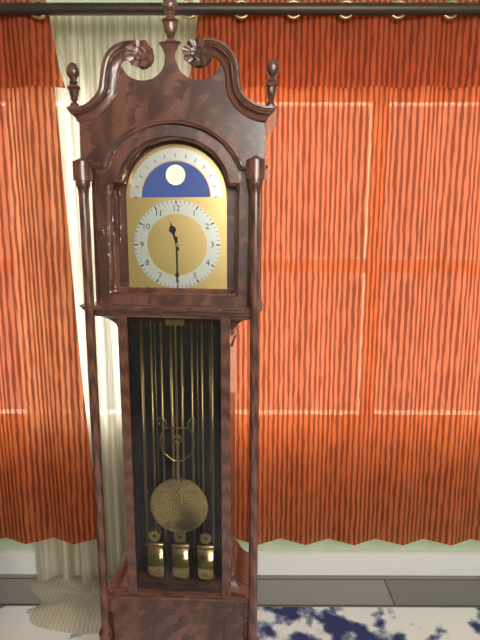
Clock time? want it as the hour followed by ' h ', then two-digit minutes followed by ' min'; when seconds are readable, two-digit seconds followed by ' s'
11 h 30 min
